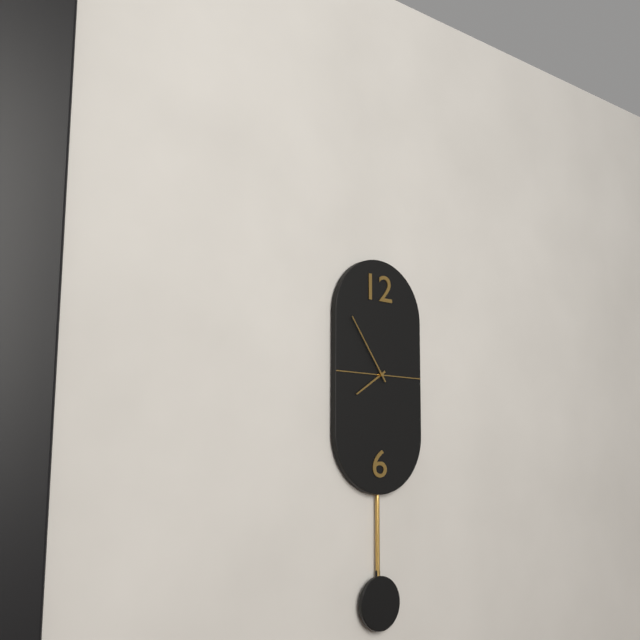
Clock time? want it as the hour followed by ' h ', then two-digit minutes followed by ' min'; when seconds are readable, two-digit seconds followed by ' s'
7 h 54 min
